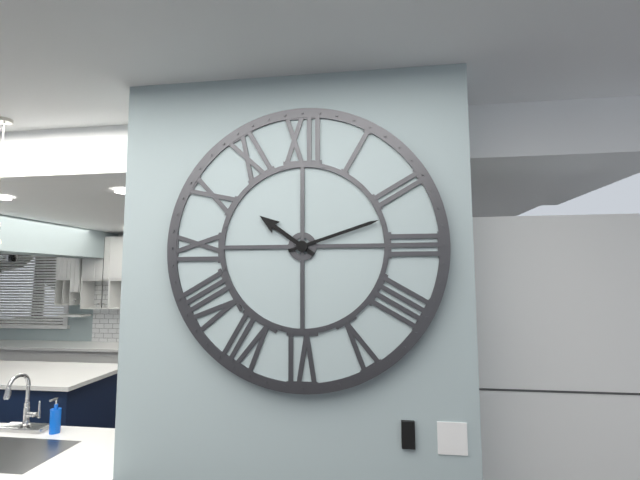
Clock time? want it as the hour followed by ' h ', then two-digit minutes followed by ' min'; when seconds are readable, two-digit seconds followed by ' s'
10 h 12 min
